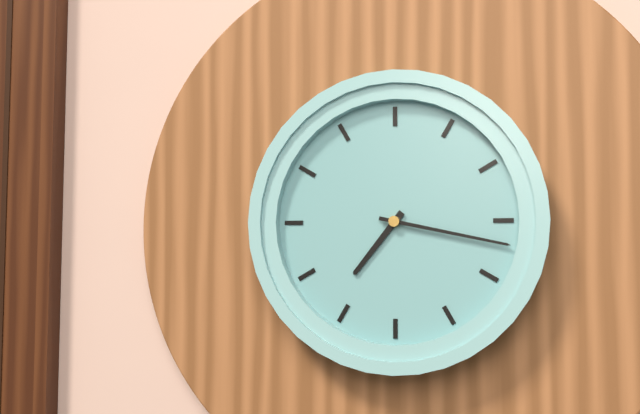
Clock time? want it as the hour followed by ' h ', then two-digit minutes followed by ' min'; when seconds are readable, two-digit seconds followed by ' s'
7 h 17 min
